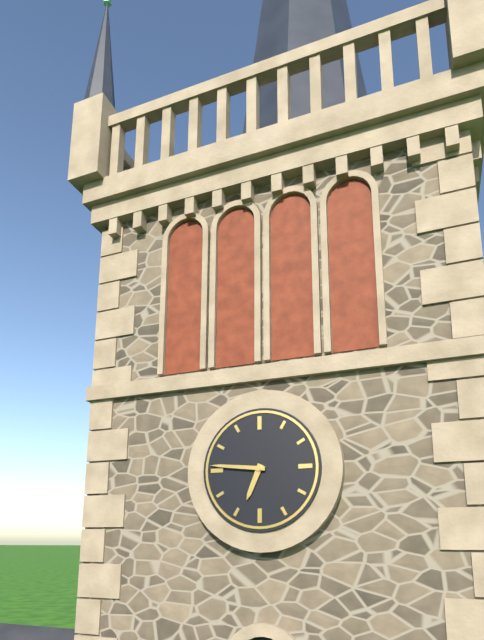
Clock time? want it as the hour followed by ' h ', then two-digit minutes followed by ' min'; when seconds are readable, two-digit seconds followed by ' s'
6 h 46 min
